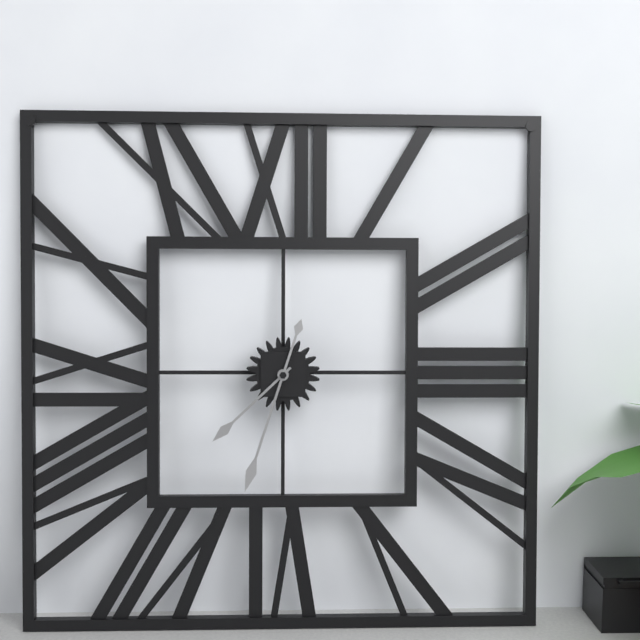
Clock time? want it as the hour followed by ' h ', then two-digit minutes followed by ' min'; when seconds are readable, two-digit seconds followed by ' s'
7 h 33 min
